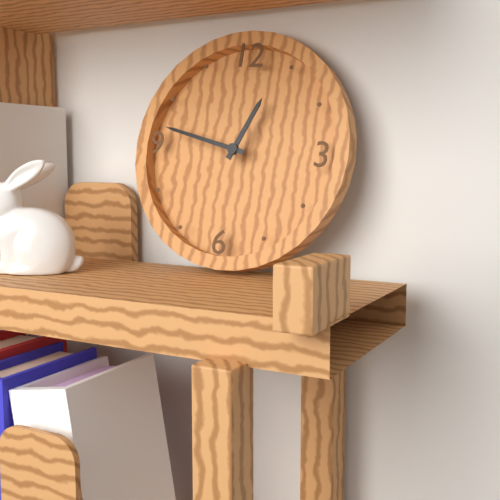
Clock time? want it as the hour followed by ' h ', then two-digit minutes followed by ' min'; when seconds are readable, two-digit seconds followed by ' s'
12 h 47 min
